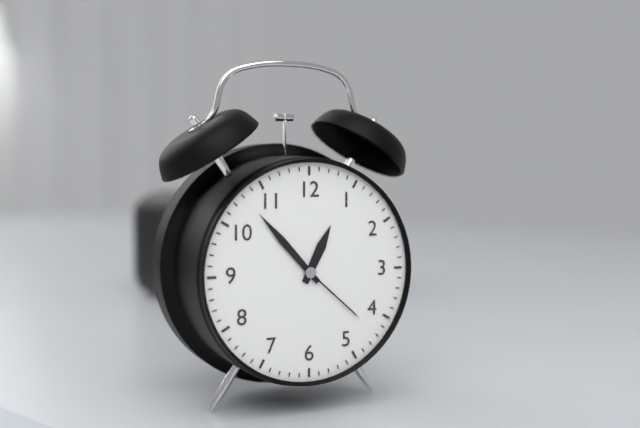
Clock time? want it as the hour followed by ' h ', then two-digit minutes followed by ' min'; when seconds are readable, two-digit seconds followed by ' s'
12 h 53 min 22 s
